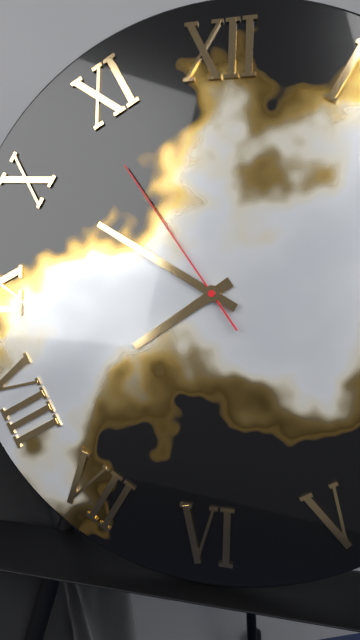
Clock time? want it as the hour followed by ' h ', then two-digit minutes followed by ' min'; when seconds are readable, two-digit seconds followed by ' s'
7 h 50 min 54 s
